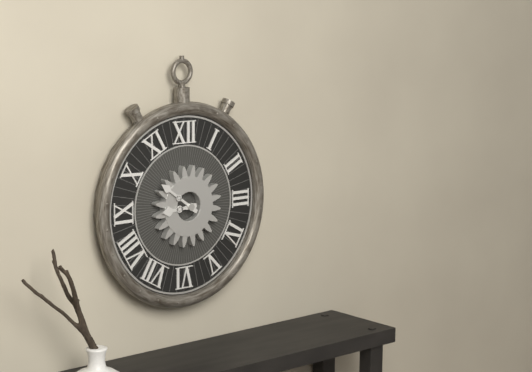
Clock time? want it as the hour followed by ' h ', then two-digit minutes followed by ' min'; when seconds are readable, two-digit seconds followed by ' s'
8 h 51 min
